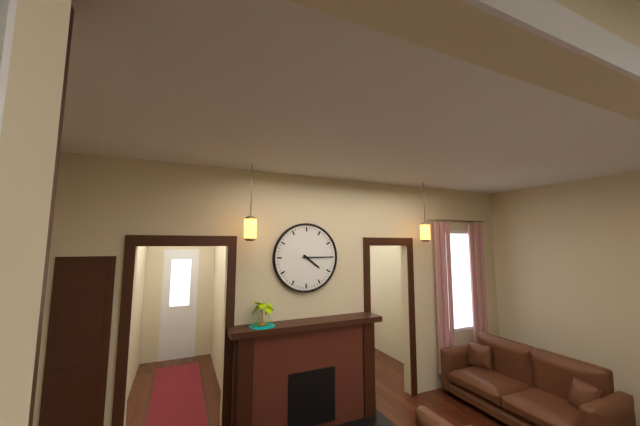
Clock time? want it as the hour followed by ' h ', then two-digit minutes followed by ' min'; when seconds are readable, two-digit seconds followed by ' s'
4 h 15 min
